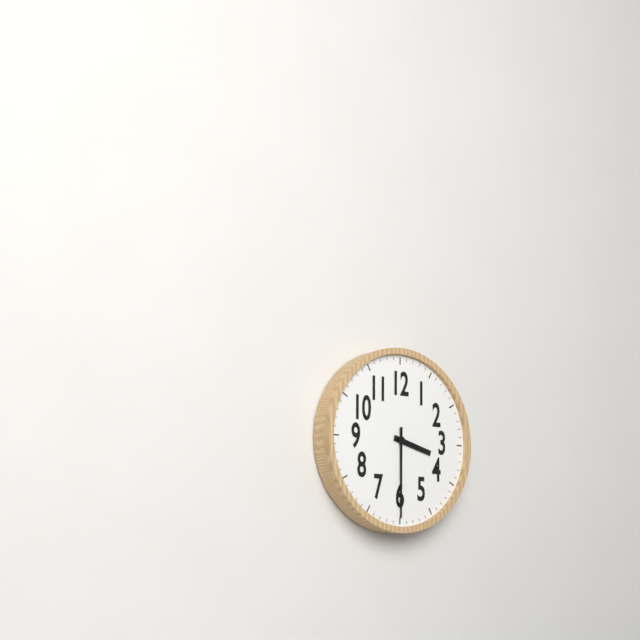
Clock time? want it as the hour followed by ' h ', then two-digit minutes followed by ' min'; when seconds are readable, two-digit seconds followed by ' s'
3 h 30 min
